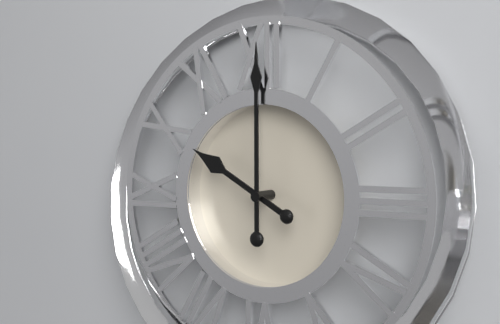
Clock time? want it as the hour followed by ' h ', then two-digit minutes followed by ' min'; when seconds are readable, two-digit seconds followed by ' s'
10 h 00 min
